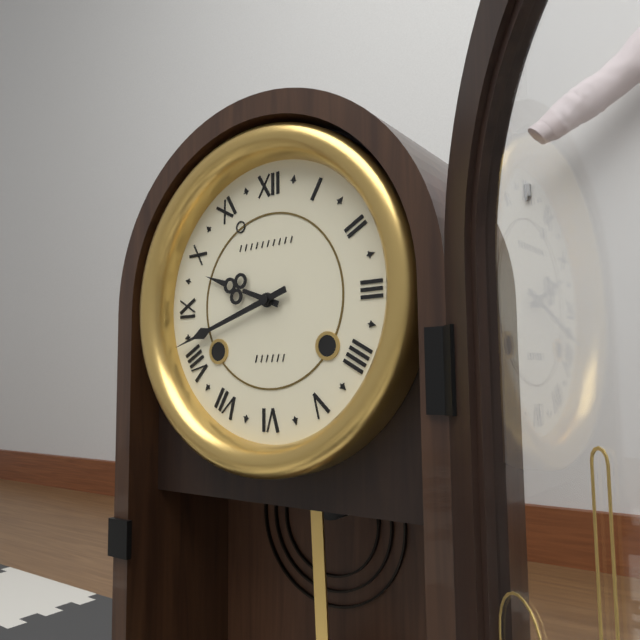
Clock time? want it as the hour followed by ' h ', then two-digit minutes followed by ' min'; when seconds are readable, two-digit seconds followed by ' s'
9 h 42 min
